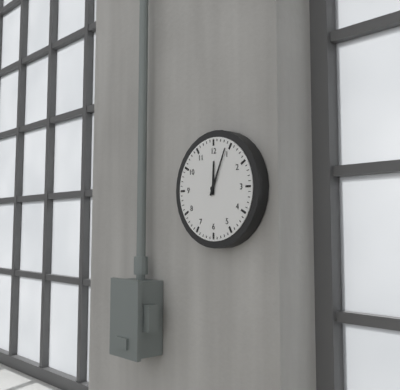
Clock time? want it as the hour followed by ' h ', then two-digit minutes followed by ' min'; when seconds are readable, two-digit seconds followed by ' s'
12 h 04 min
